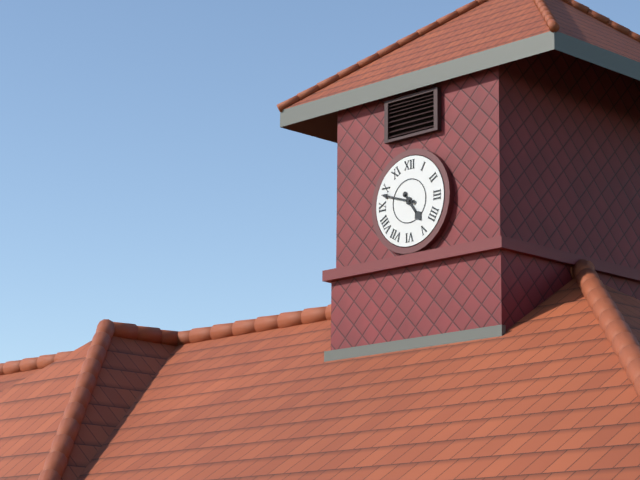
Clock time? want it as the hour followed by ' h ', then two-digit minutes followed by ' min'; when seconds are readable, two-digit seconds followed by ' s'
4 h 48 min
